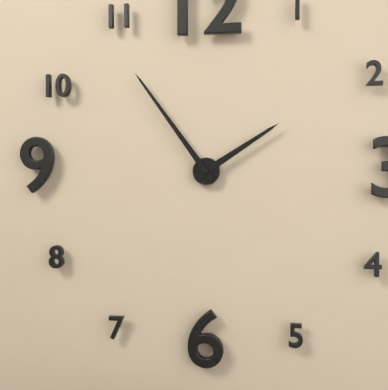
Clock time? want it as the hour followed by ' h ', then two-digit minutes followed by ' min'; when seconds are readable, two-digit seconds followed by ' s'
1 h 54 min
